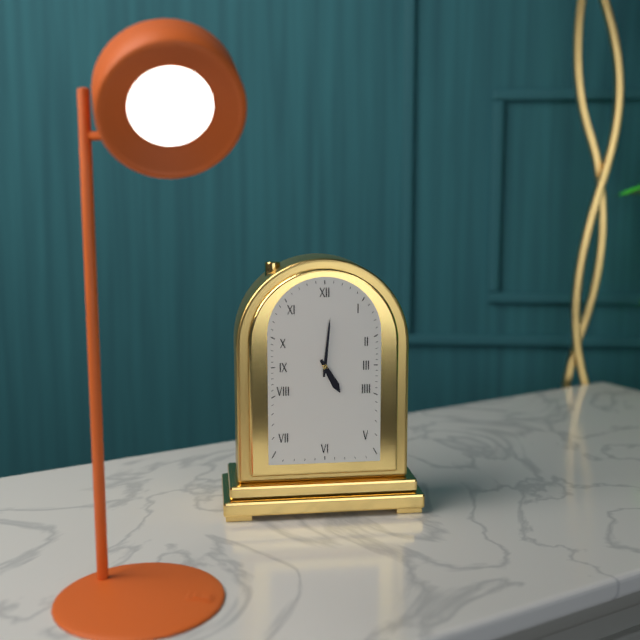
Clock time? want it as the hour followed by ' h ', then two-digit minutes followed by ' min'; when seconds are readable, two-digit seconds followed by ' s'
5 h 01 min
